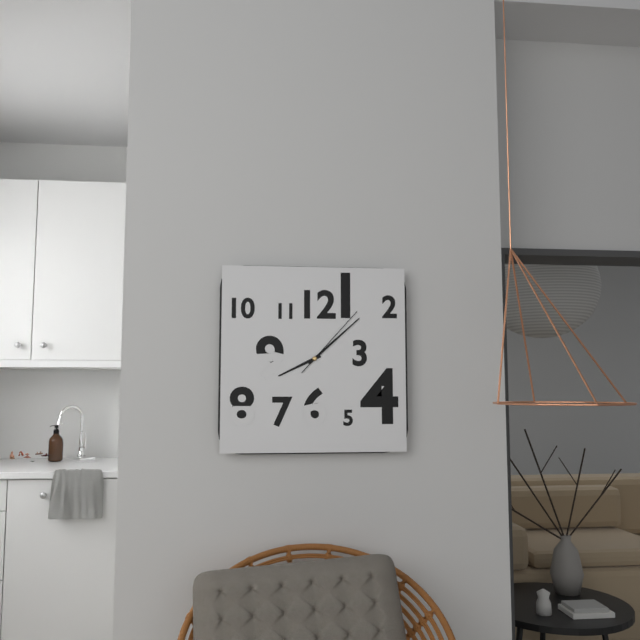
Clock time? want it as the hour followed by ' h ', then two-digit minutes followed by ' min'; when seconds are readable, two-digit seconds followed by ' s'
8 h 08 min 07 s
